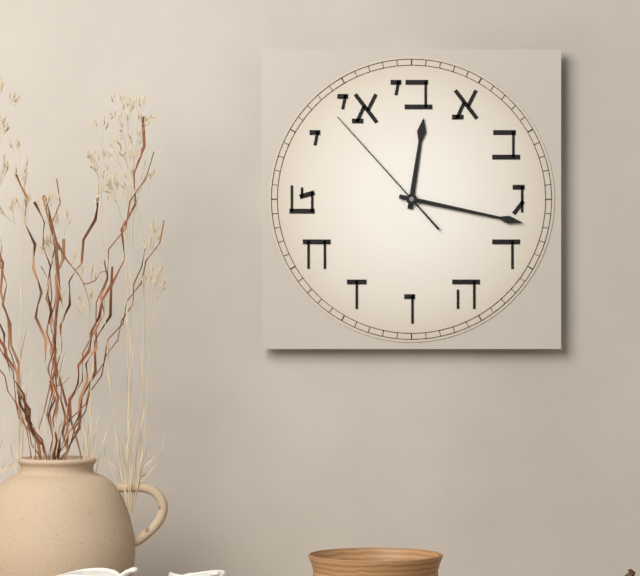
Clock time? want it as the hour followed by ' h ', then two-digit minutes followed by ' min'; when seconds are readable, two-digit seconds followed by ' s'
12 h 17 min 53 s
